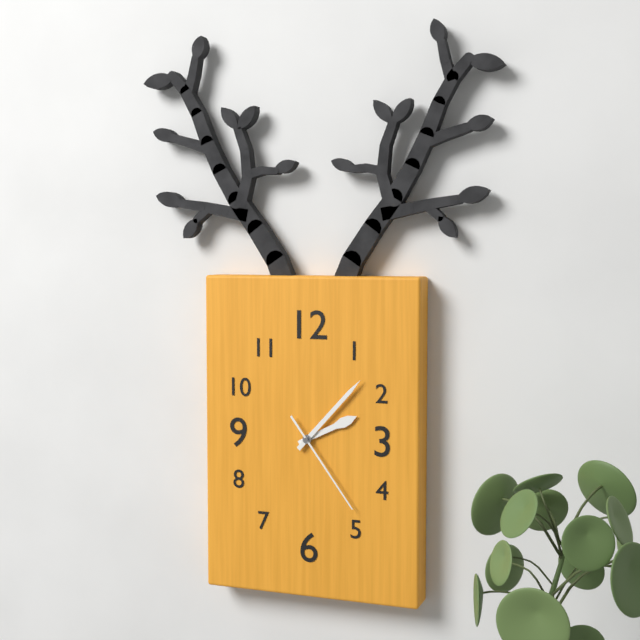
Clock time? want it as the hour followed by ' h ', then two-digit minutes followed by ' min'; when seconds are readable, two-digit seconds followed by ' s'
2 h 07 min 24 s
